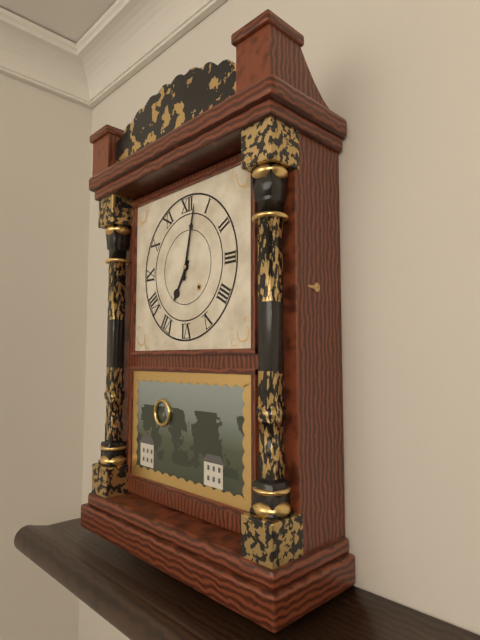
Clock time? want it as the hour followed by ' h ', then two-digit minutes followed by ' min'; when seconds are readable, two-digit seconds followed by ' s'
7 h 02 min
